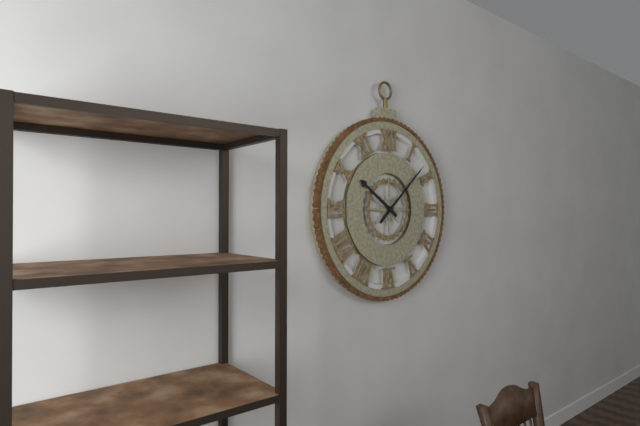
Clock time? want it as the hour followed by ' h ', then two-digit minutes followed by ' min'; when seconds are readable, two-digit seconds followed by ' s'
10 h 08 min
